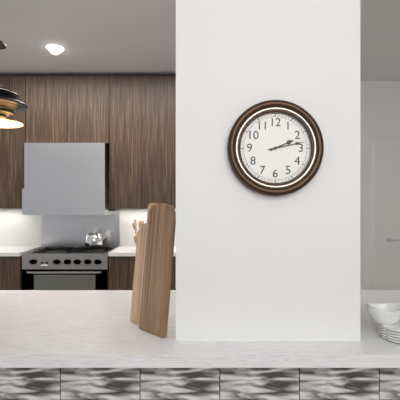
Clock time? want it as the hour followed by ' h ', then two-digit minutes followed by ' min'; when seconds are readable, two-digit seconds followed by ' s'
2 h 13 min
